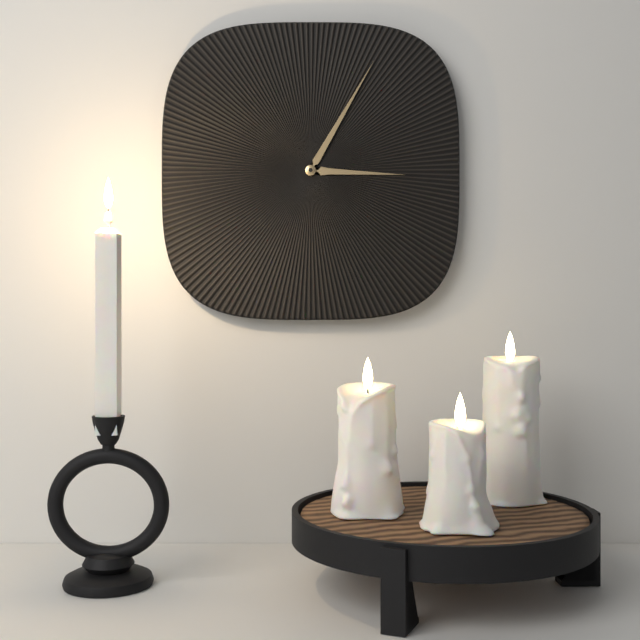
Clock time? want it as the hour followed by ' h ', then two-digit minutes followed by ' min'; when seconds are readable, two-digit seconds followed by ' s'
3 h 05 min
